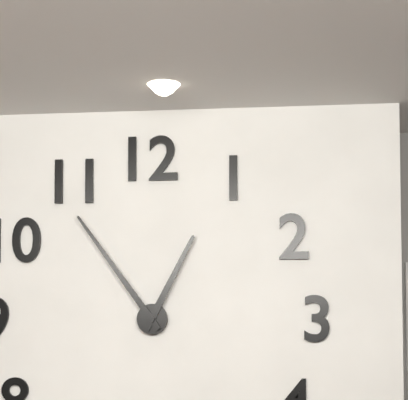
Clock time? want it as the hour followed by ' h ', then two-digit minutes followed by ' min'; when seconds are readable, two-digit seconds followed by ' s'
12 h 54 min
